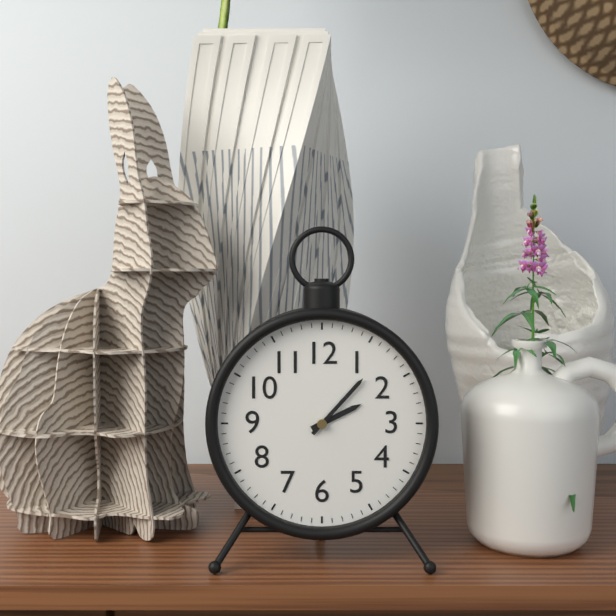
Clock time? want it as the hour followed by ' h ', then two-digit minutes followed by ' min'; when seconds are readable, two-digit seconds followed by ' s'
2 h 07 min
